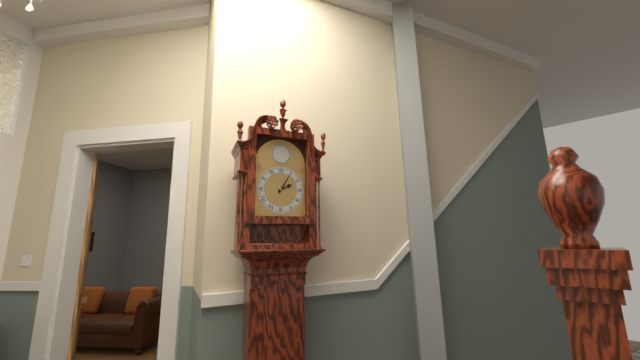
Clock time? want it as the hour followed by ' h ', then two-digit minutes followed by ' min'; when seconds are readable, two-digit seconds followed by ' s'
2 h 05 min
